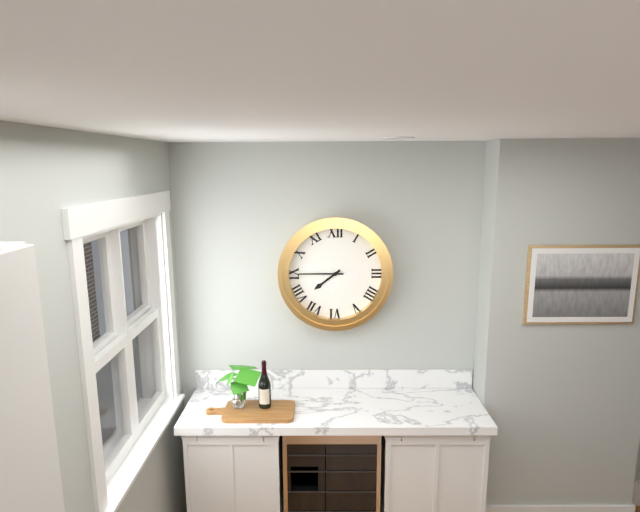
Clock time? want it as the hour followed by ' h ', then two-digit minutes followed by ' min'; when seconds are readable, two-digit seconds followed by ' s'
7 h 45 min
